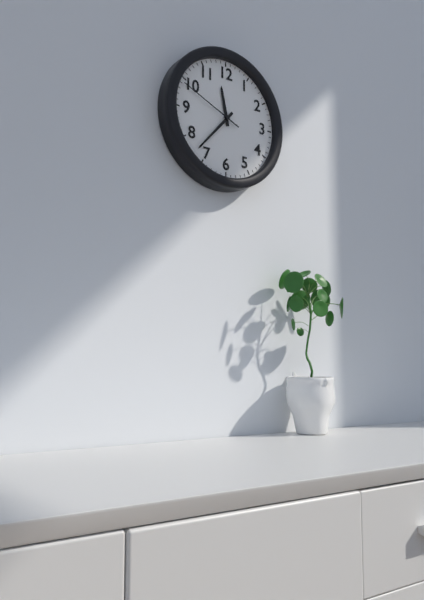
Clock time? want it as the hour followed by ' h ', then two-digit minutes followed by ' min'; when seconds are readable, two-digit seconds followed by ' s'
11 h 37 min 49 s
